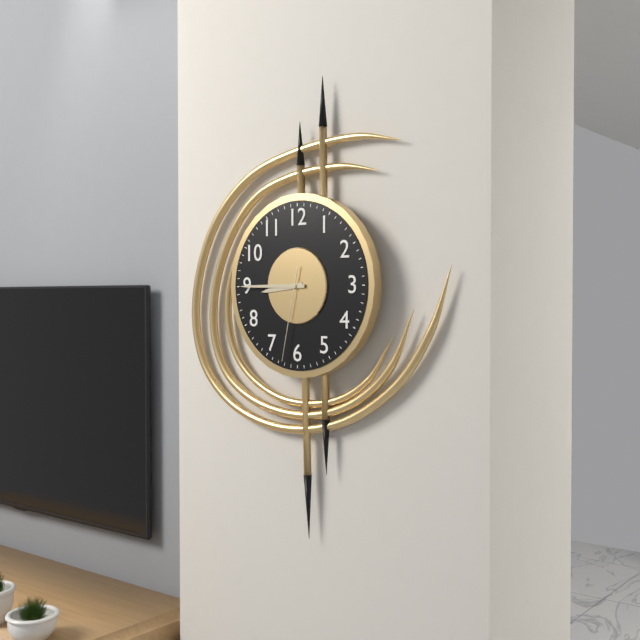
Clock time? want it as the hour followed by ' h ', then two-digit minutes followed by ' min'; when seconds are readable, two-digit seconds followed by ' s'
8 h 45 min 32 s
